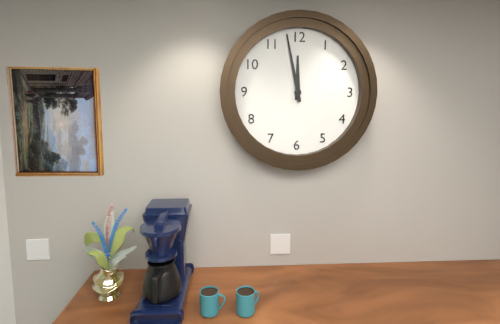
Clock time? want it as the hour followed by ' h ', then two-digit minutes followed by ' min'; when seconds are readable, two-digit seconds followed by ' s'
11 h 58 min
